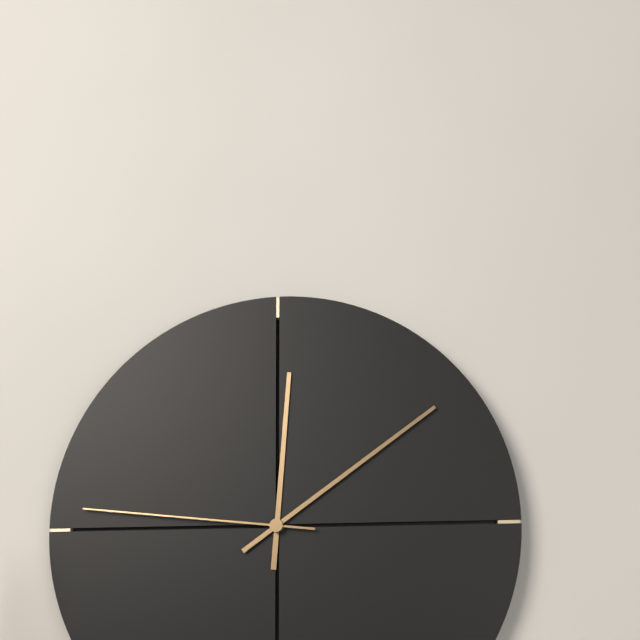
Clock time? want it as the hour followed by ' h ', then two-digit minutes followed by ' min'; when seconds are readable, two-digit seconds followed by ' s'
12 h 09 min 46 s
